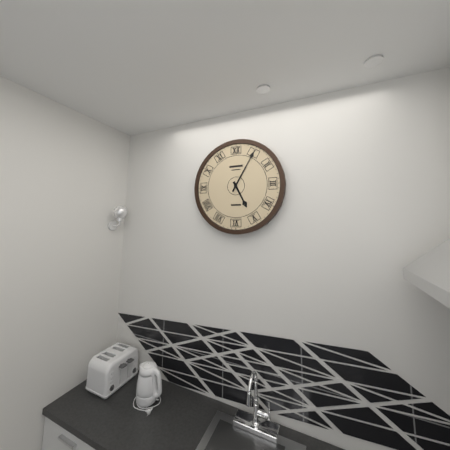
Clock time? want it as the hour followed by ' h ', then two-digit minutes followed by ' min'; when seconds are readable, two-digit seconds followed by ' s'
5 h 05 min
